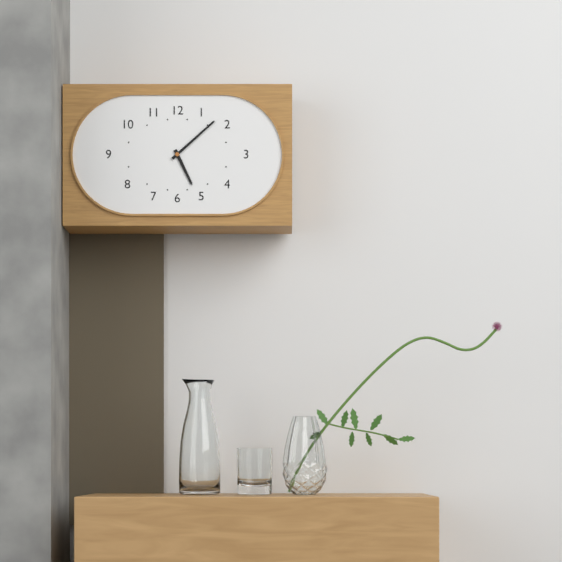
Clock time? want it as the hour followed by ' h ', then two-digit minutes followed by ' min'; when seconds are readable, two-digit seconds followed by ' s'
5 h 08 min
